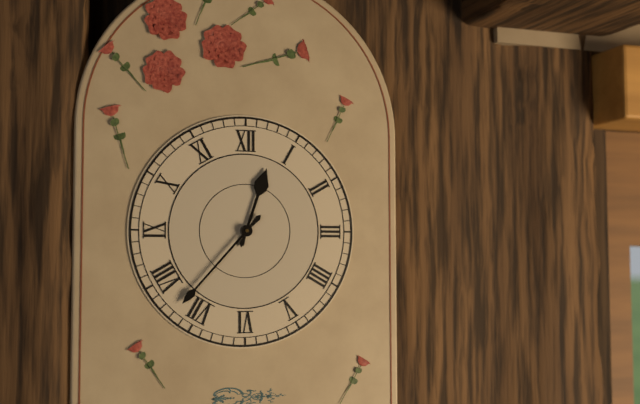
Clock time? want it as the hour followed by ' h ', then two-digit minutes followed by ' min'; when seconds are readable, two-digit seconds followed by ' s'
12 h 37 min
